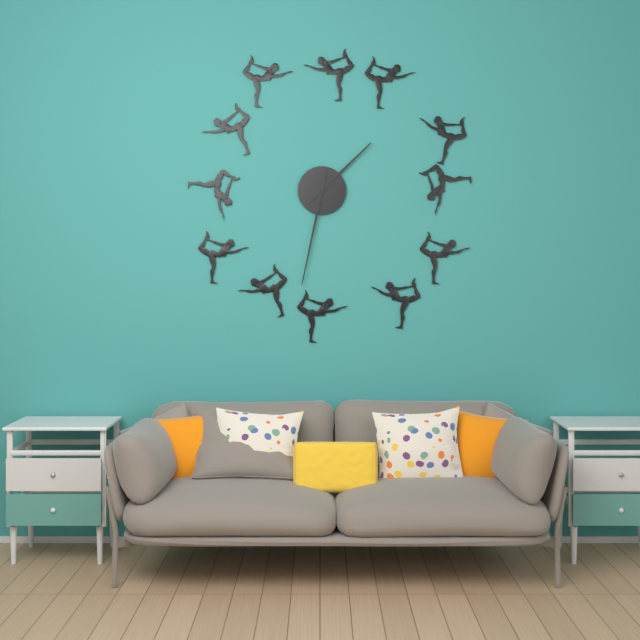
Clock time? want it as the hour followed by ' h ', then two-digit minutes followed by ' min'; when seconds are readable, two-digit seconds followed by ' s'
1 h 32 min
